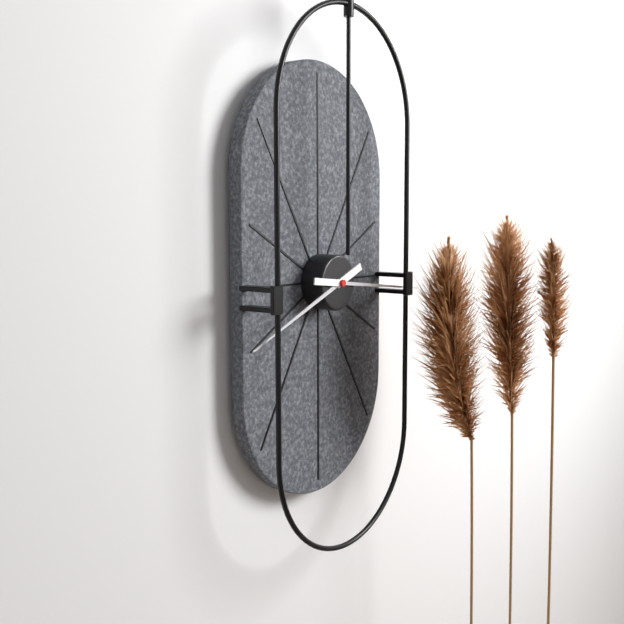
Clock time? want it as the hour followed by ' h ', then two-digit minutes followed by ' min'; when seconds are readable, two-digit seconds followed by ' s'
8 h 16 min
